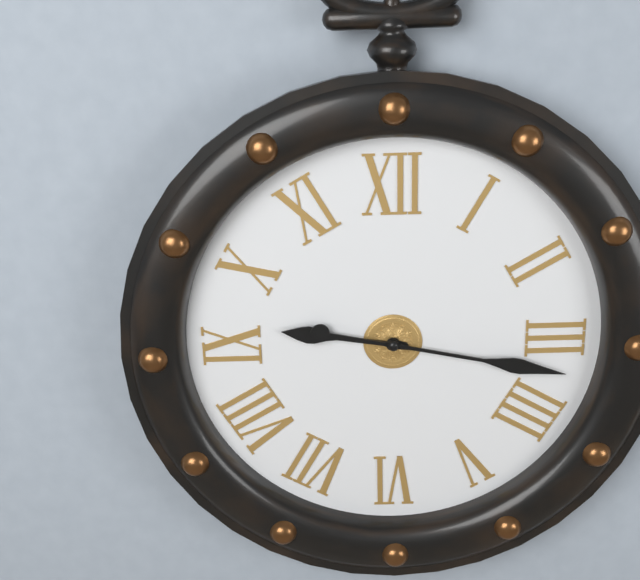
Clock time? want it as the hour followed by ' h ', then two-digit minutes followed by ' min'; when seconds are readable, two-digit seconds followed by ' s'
9 h 17 min
